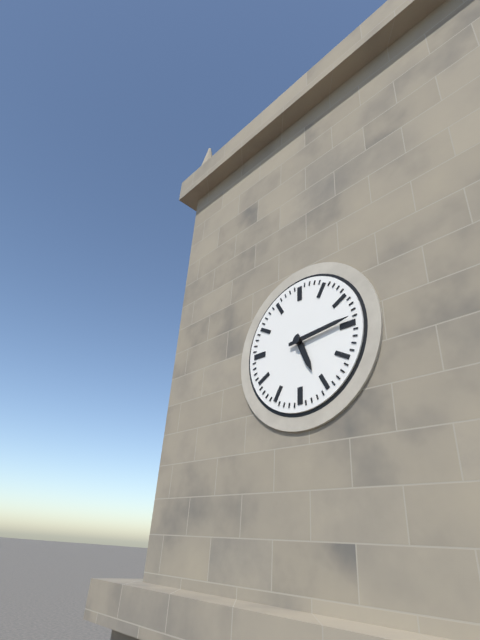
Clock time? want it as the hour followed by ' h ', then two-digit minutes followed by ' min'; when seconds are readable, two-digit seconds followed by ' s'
5 h 14 min
